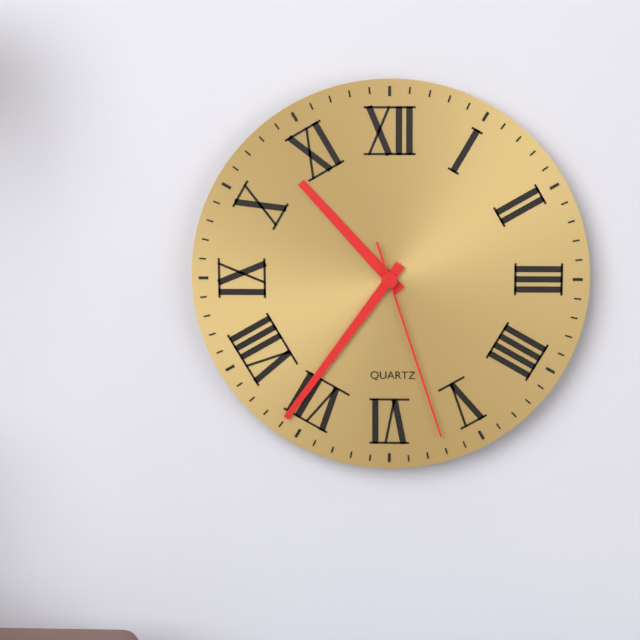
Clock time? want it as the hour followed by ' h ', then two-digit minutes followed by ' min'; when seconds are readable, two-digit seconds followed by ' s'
10 h 36 min 27 s
